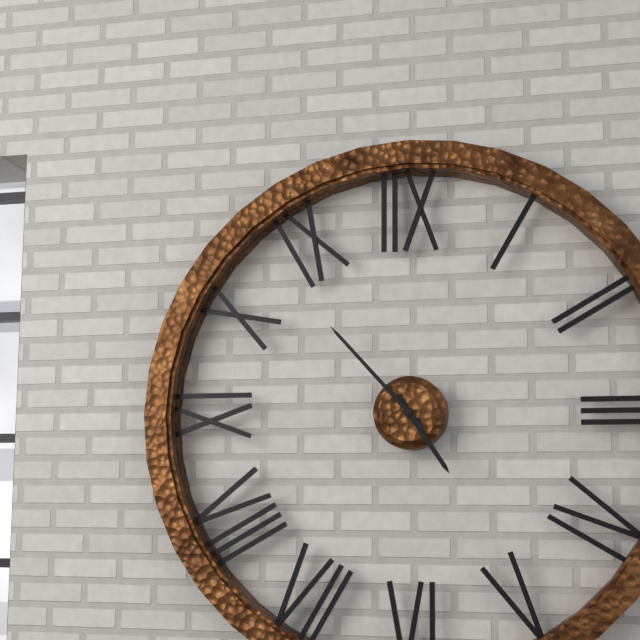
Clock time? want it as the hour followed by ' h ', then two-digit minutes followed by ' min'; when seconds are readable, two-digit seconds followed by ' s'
4 h 53 min
